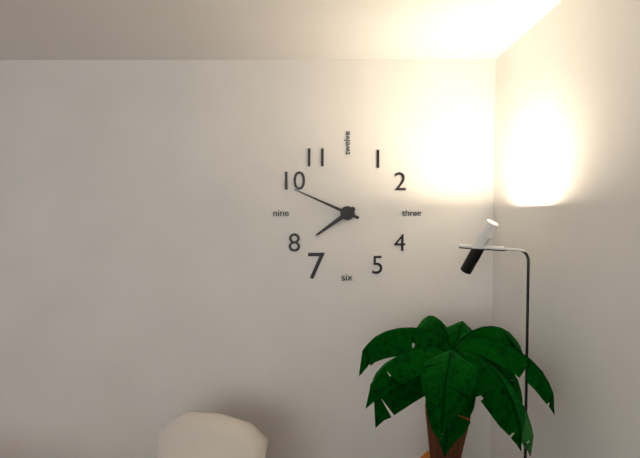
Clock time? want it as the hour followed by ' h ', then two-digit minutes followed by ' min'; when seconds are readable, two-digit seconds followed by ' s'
7 h 49 min
